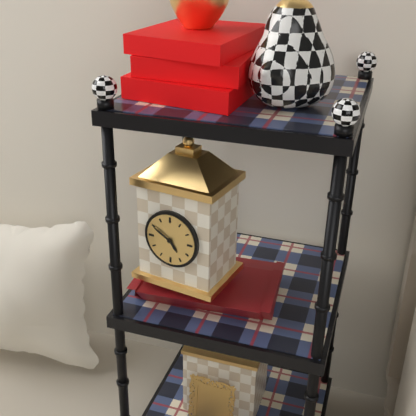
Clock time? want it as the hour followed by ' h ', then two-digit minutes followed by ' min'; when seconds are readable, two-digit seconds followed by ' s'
4 h 50 min
